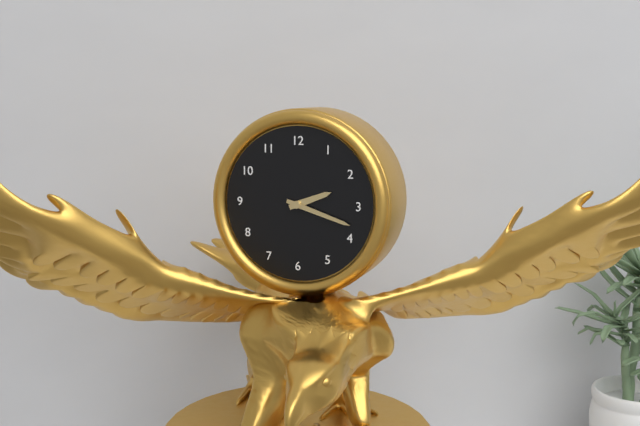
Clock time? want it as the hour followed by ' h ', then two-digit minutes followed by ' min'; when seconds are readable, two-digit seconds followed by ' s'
2 h 18 min
